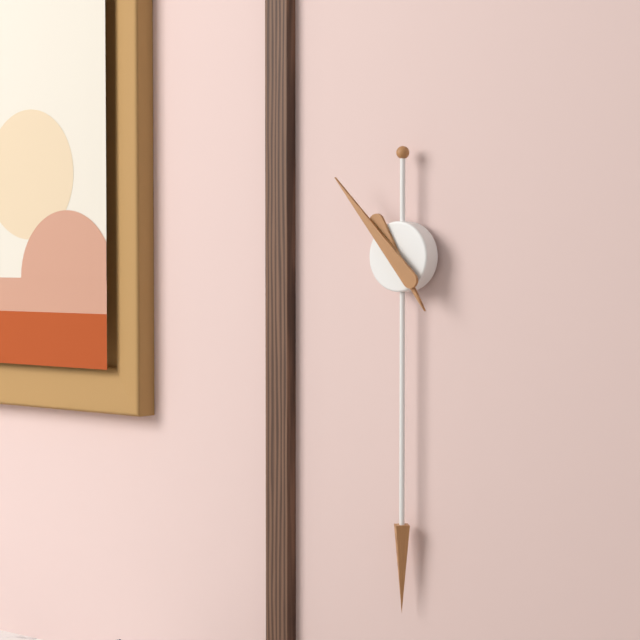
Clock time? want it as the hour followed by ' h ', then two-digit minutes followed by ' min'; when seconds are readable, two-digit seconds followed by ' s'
4 h 53 min
